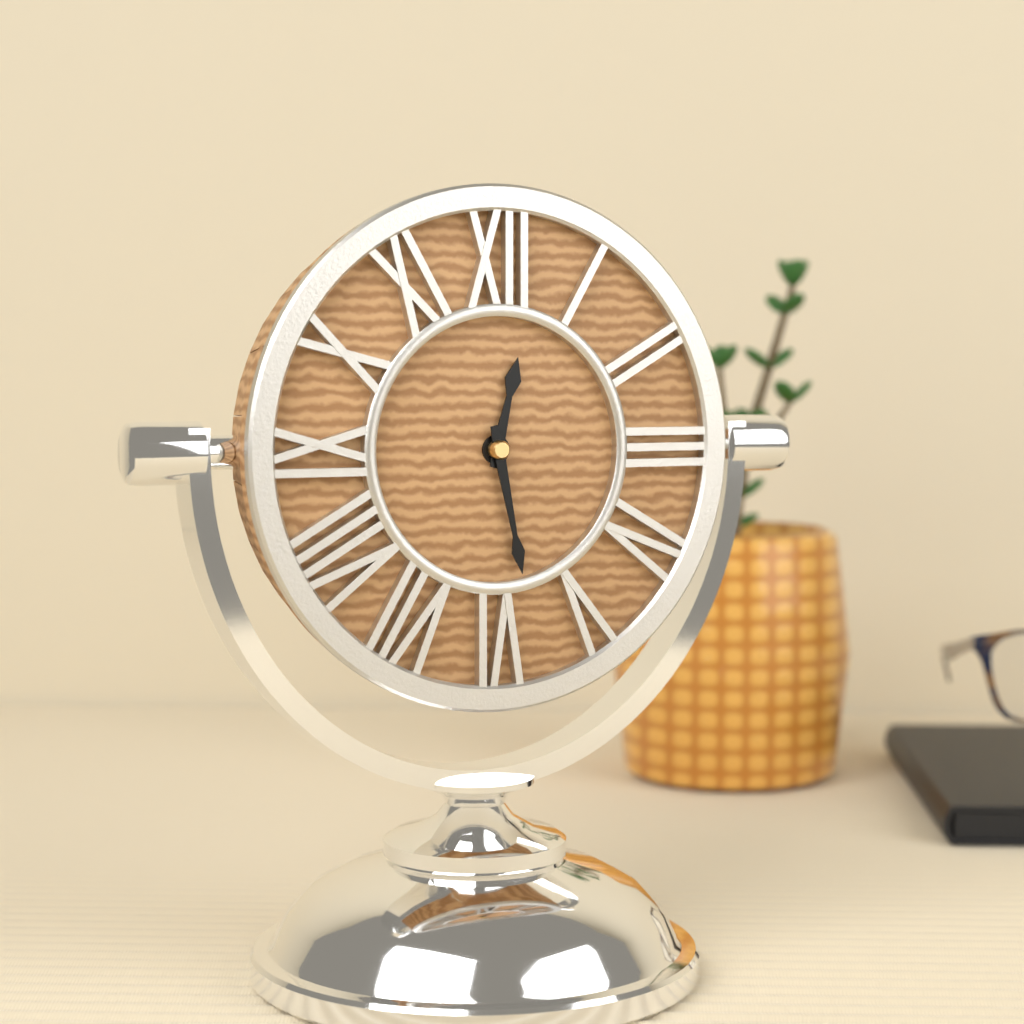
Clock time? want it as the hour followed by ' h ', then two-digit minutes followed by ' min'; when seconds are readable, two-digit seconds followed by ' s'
12 h 28 min
